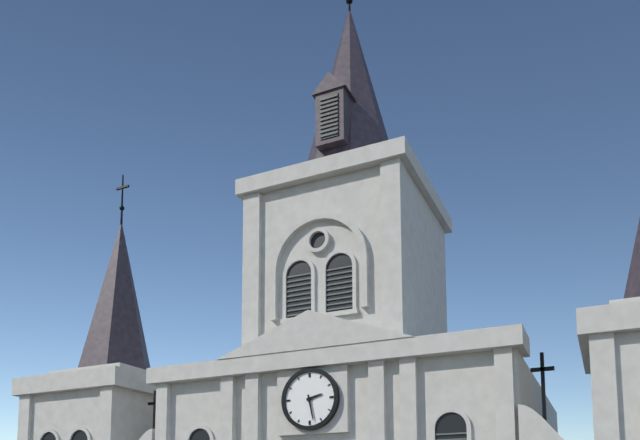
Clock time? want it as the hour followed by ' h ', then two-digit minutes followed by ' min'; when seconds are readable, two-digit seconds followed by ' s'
2 h 28 min
